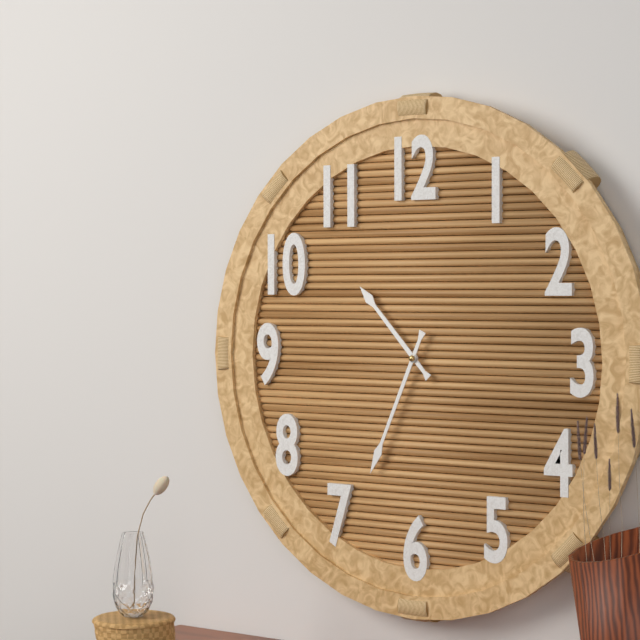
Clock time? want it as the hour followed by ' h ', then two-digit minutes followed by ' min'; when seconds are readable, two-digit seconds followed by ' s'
10 h 34 min
